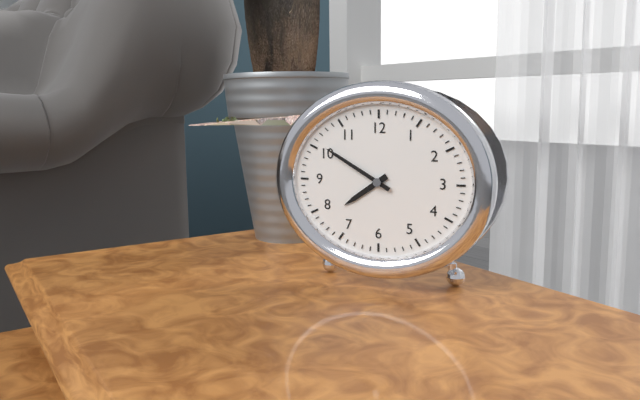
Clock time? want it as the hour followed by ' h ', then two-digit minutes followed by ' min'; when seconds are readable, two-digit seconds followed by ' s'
7 h 50 min
